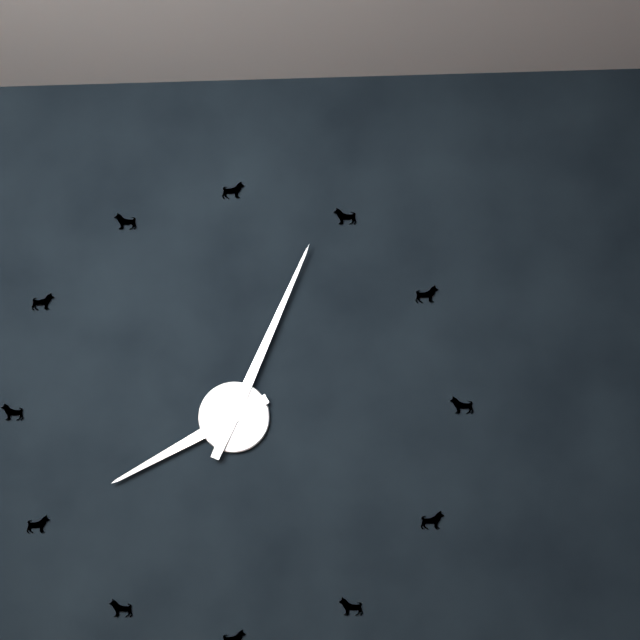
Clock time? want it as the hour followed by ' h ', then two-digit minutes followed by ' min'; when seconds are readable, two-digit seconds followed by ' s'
8 h 04 min
